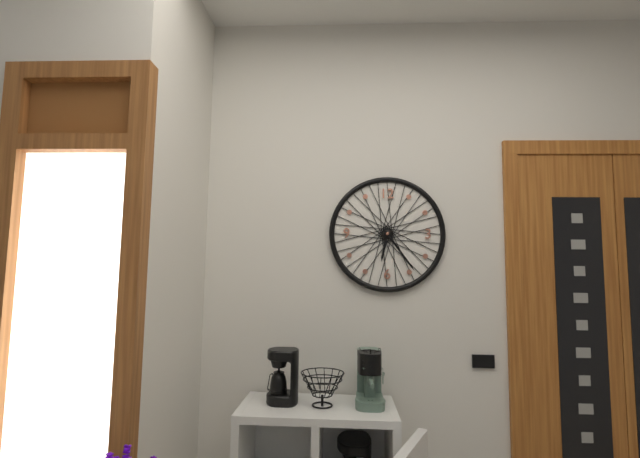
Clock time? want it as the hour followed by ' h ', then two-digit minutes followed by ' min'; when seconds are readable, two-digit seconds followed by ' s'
6 h 24 min
